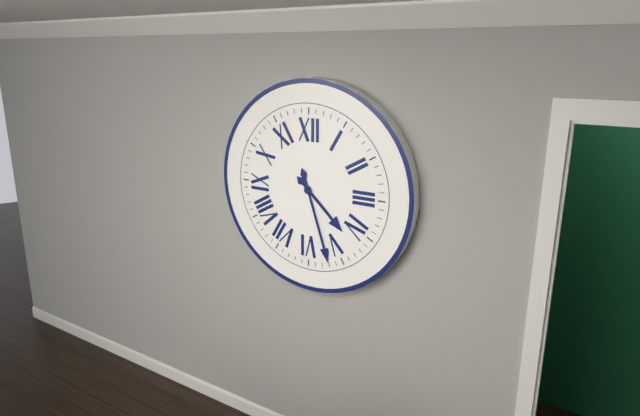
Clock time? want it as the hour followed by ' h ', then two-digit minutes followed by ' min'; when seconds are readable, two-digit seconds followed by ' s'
4 h 27 min
